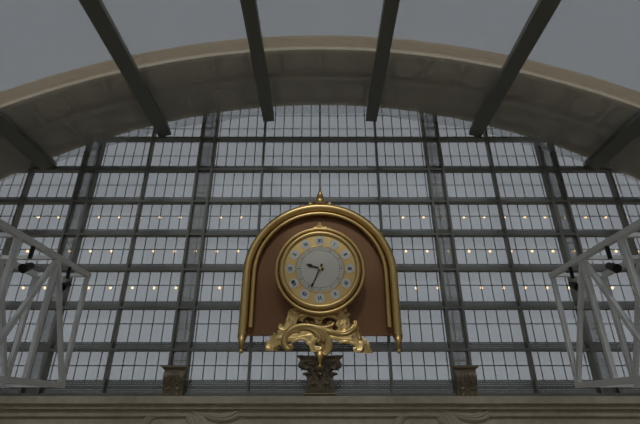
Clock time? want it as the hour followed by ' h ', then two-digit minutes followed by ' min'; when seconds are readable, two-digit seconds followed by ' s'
9 h 34 min
